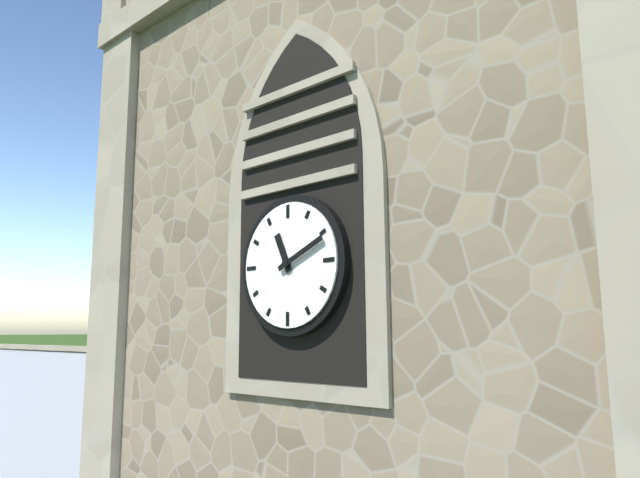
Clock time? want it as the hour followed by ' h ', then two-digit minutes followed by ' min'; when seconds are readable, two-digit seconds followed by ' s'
11 h 11 min
